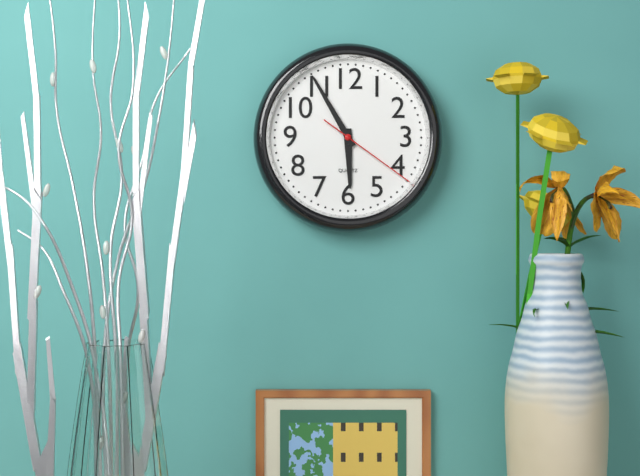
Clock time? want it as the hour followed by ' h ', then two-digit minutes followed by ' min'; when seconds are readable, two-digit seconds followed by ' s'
5 h 55 min 21 s
